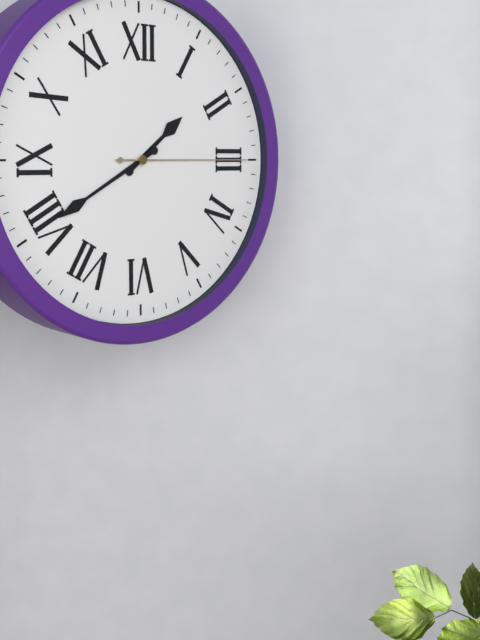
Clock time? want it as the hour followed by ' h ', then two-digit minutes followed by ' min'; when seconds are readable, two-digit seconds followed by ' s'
1 h 40 min 15 s
